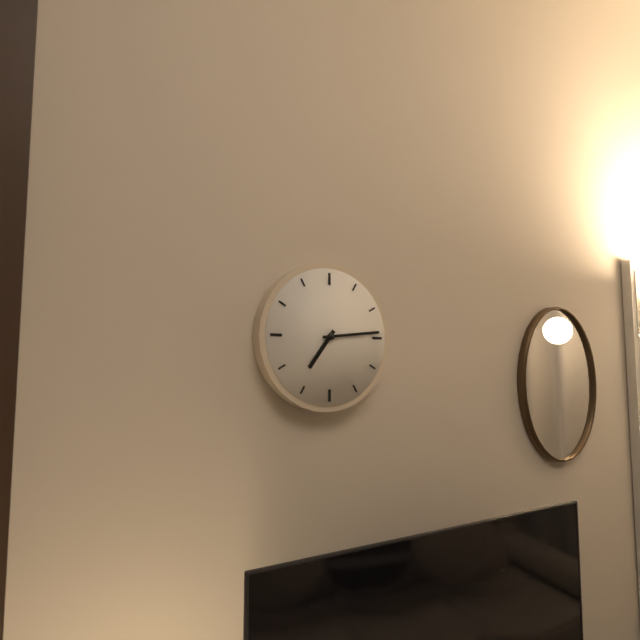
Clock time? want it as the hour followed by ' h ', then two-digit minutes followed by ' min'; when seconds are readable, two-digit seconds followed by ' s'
7 h 14 min
